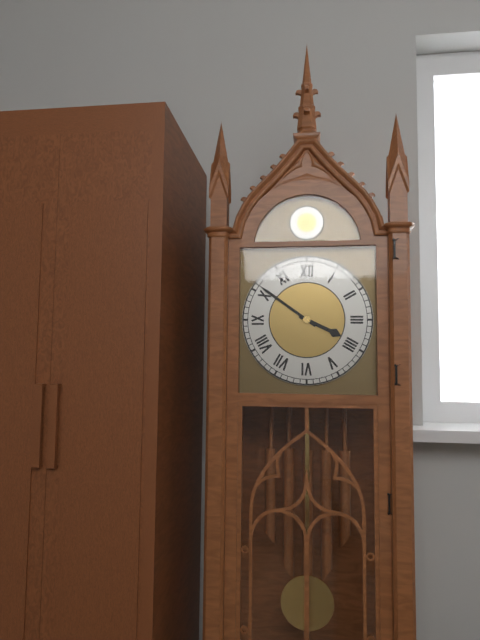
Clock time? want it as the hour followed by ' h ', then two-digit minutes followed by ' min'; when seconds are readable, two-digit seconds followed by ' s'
3 h 51 min
